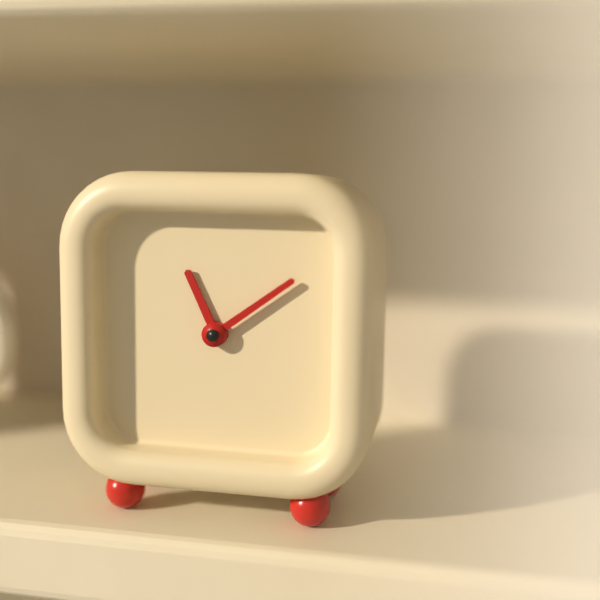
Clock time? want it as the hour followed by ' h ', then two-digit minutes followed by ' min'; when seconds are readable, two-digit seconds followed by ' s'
11 h 09 min
